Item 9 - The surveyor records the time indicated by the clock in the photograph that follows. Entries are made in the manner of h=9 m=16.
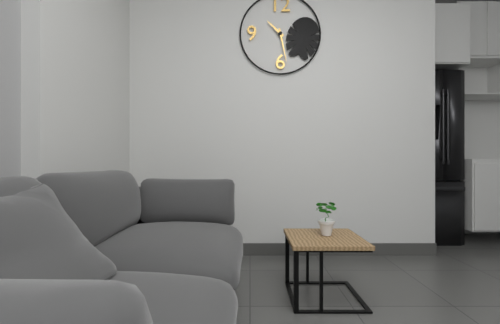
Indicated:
h=10 m=28
